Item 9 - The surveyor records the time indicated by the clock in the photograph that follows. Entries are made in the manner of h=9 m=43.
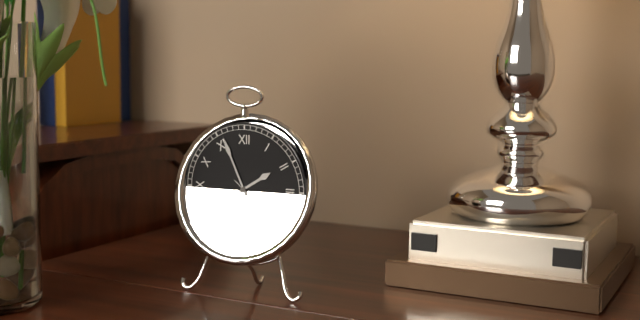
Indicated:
h=1 m=56
